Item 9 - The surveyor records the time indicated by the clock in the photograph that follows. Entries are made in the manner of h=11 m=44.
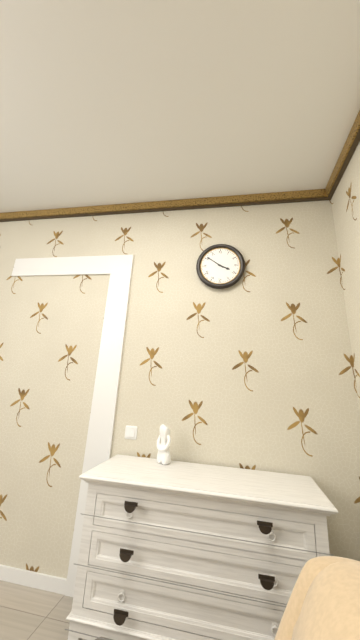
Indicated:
h=3 m=51
